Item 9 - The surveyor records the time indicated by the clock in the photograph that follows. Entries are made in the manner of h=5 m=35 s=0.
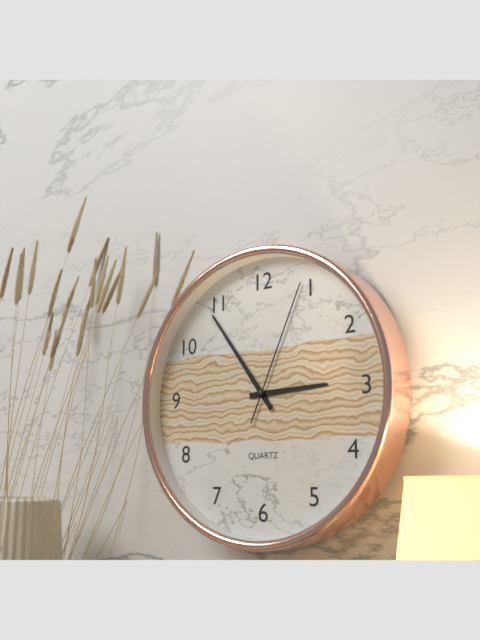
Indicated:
h=2 m=54 s=4
